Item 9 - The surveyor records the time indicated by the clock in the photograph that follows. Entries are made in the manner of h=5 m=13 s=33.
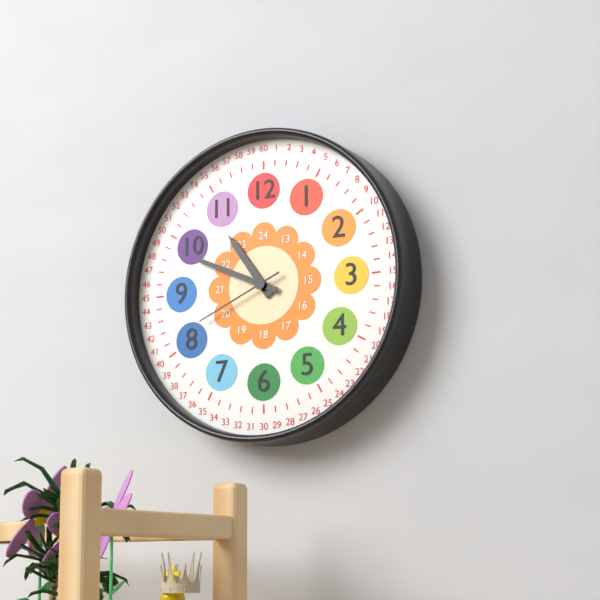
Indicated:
h=10 m=49 s=41
